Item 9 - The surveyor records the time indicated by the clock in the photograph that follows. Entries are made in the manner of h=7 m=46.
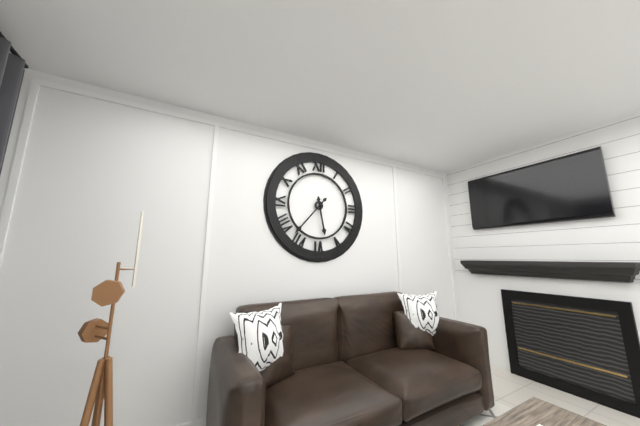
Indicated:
h=5 m=37
